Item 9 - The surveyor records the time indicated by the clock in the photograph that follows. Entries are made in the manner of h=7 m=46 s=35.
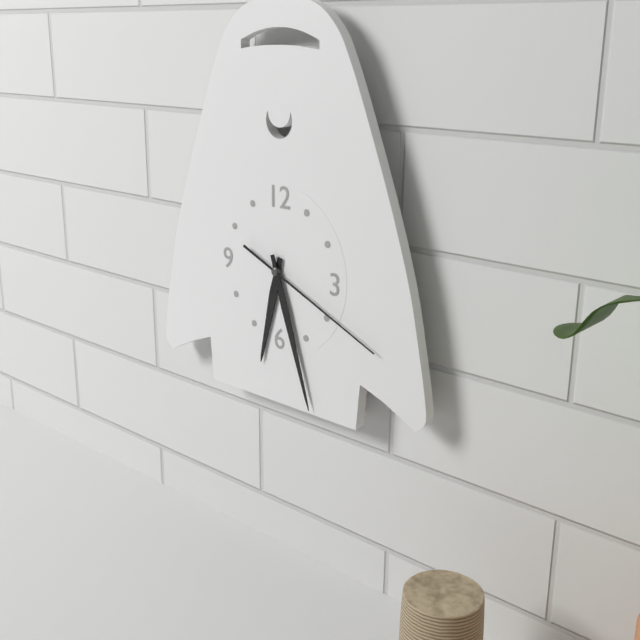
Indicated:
h=6 m=27 s=19
